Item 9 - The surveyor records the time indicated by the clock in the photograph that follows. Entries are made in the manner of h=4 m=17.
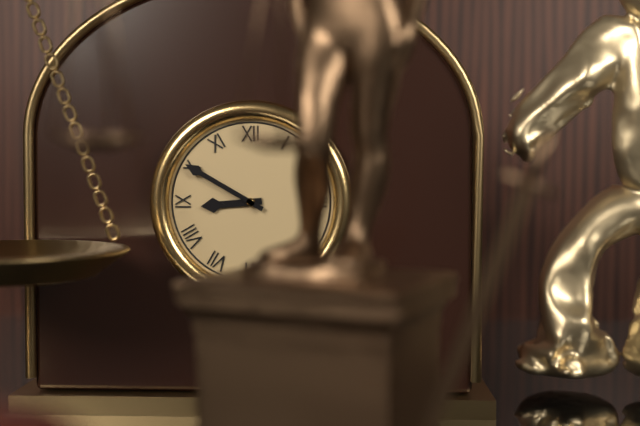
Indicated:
h=8 m=50
